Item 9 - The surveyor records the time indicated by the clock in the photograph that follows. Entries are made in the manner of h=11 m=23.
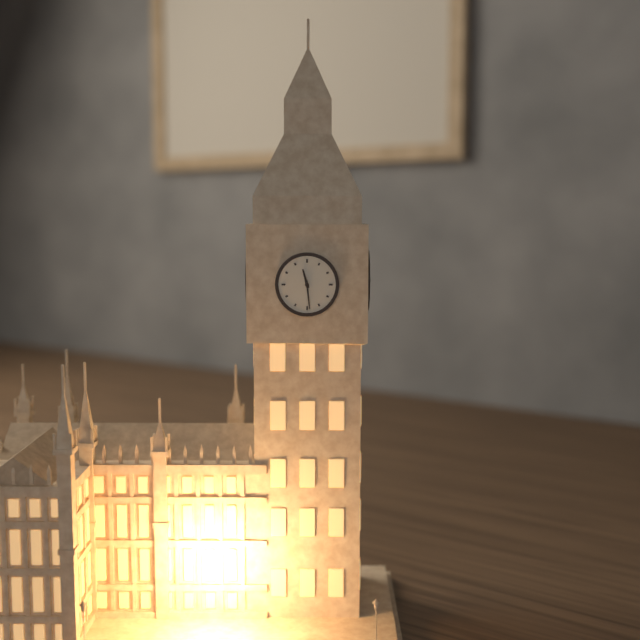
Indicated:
h=11 m=29
